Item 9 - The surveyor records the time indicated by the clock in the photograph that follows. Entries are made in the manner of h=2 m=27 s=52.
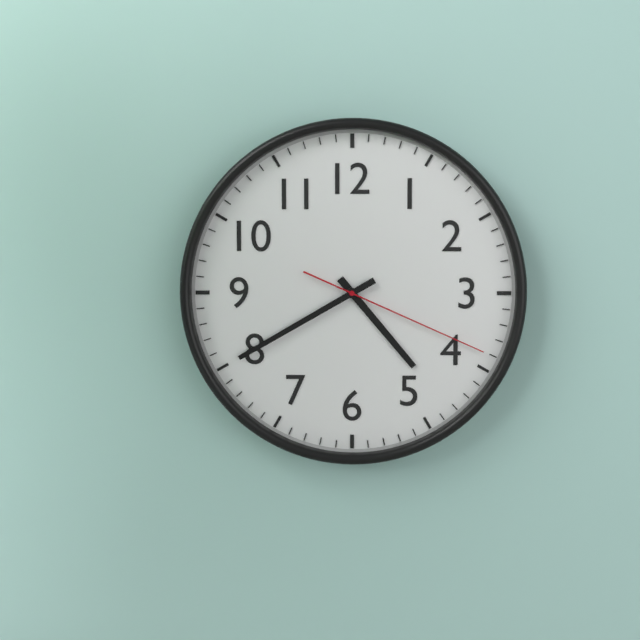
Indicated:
h=4 m=40 s=19
